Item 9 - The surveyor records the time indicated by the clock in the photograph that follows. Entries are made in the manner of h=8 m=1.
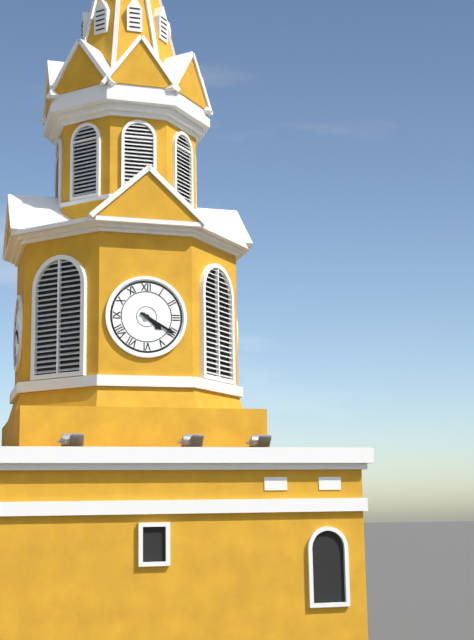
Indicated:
h=4 m=20
